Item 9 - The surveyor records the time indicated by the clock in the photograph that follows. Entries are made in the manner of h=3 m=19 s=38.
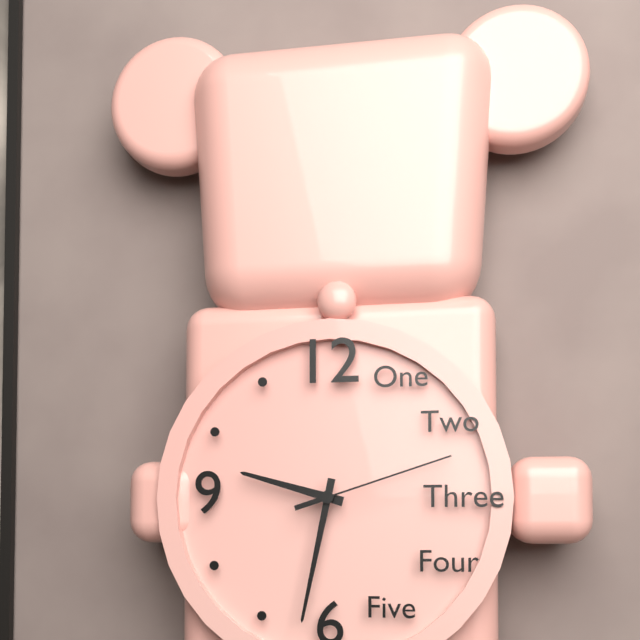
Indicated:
h=9 m=32 s=12
